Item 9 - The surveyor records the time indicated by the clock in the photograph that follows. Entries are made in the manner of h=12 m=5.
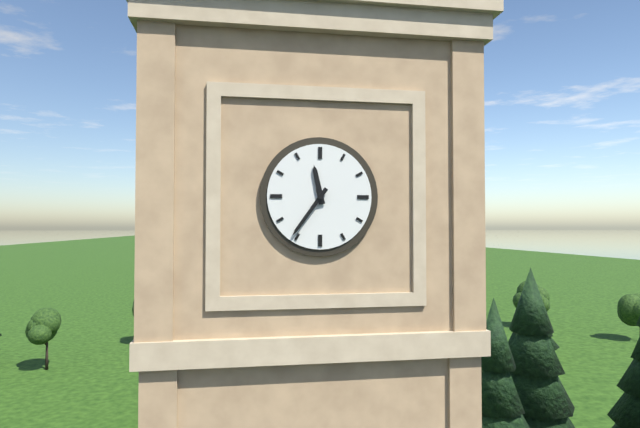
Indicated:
h=11 m=36
